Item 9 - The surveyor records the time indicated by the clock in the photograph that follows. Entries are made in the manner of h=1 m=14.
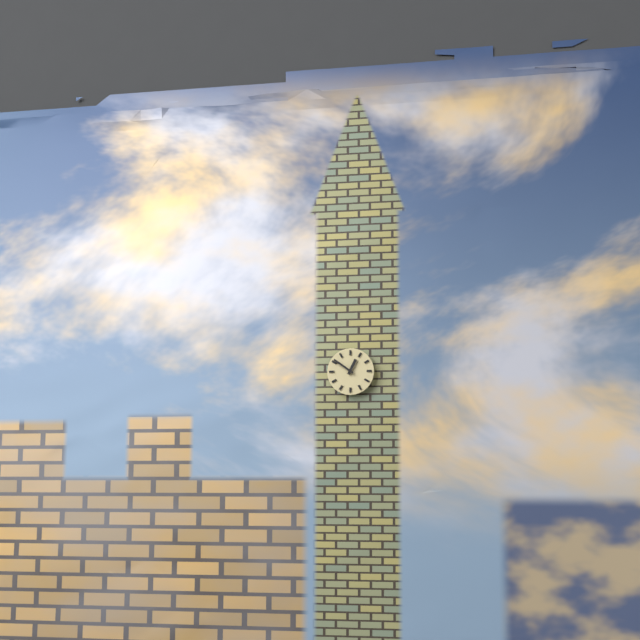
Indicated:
h=12 m=51
